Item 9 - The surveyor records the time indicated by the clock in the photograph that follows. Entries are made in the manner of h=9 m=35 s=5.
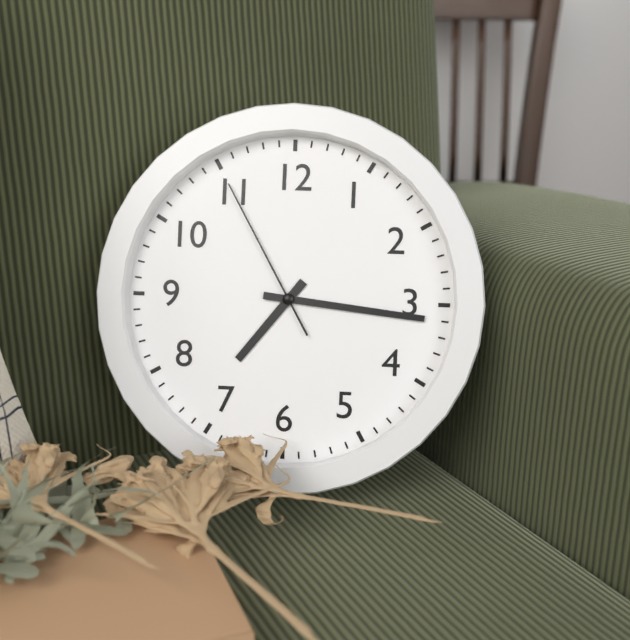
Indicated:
h=7 m=16 s=55
